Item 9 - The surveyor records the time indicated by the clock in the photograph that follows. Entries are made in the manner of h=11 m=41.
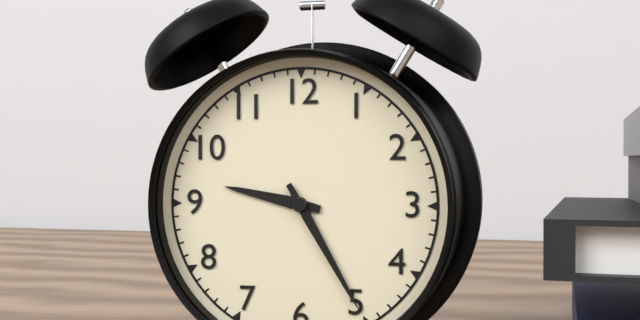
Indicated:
h=9 m=25
